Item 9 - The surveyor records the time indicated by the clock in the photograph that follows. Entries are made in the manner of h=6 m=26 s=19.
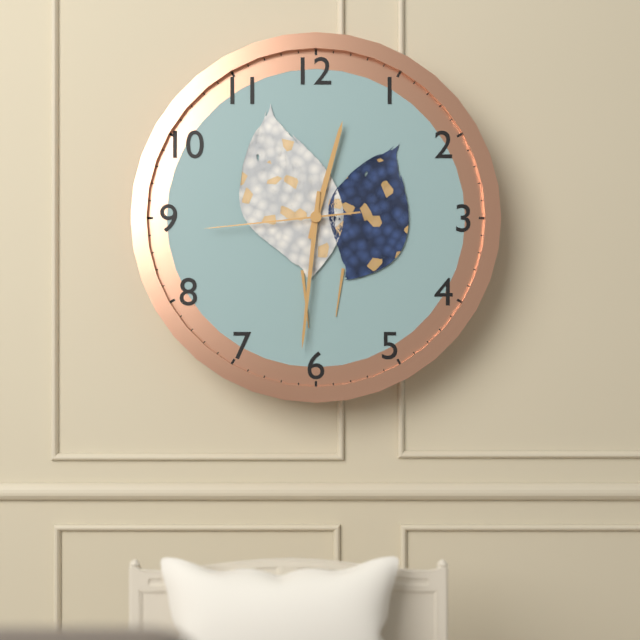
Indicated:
h=12 m=31 s=44
